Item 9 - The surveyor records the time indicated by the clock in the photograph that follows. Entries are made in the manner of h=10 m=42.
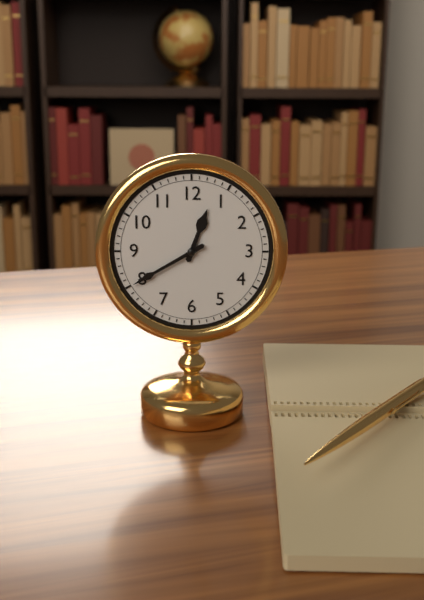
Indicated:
h=12 m=40
